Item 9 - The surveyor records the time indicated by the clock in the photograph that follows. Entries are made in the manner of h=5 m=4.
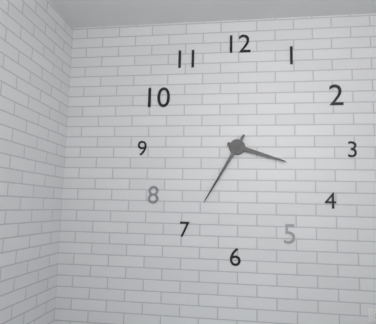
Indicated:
h=3 m=35
